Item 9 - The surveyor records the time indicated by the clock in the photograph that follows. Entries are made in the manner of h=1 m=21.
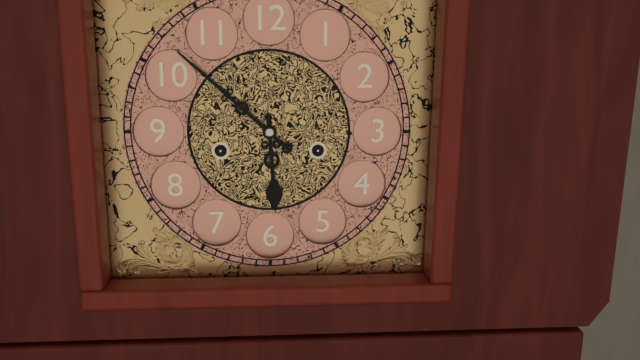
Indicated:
h=5 m=52
